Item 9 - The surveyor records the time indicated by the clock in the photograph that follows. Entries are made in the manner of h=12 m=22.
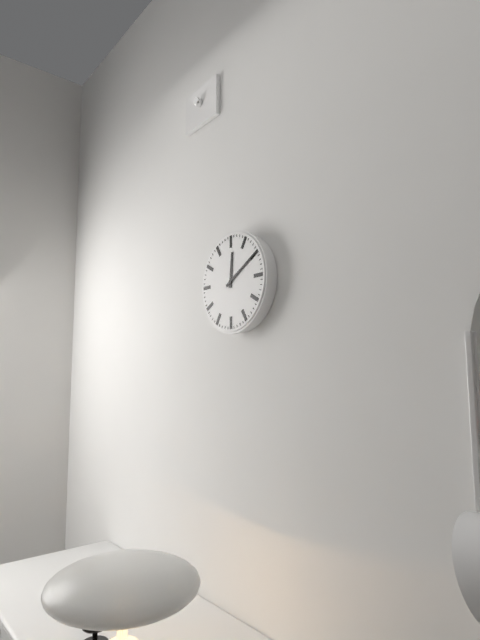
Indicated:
h=12 m=10
